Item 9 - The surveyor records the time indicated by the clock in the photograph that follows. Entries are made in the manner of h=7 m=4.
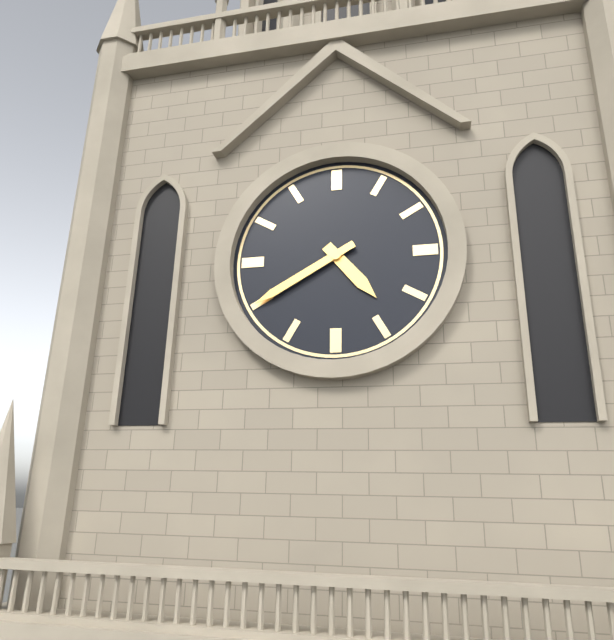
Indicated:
h=4 m=40
